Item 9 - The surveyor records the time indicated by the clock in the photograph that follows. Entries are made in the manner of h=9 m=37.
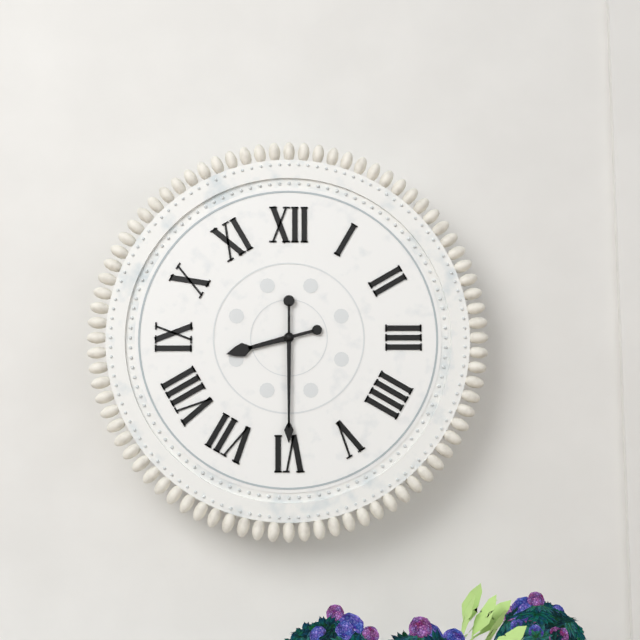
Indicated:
h=8 m=30
